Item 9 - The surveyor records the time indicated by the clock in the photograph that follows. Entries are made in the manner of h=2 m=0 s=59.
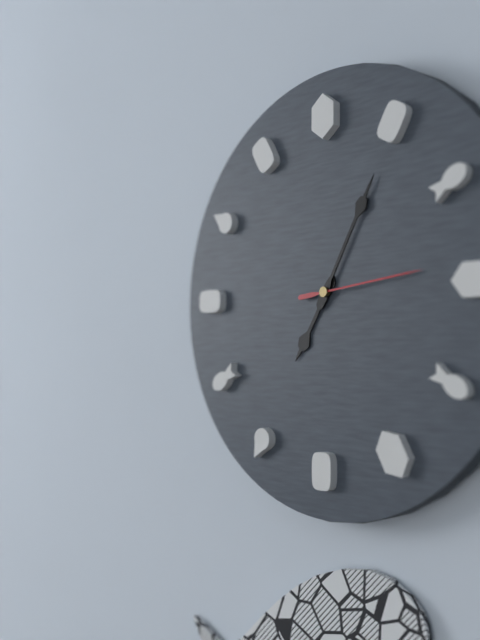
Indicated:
h=7 m=5 s=14
